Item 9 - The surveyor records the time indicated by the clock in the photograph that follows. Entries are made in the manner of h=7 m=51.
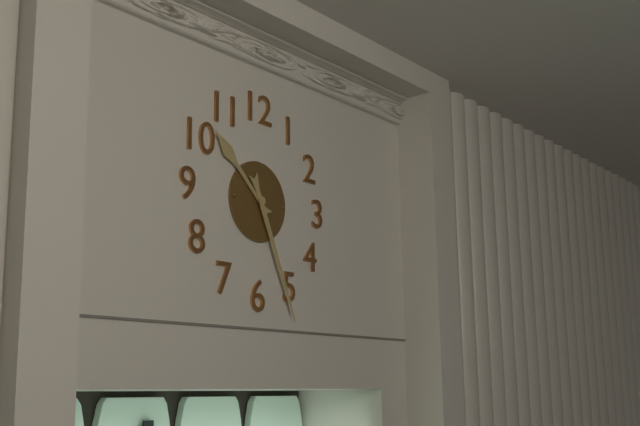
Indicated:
h=10 m=26
